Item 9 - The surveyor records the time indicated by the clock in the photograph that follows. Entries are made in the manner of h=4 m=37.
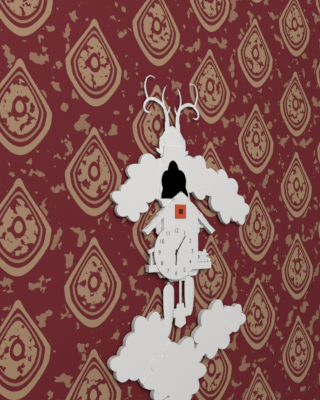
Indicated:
h=6 m=6
